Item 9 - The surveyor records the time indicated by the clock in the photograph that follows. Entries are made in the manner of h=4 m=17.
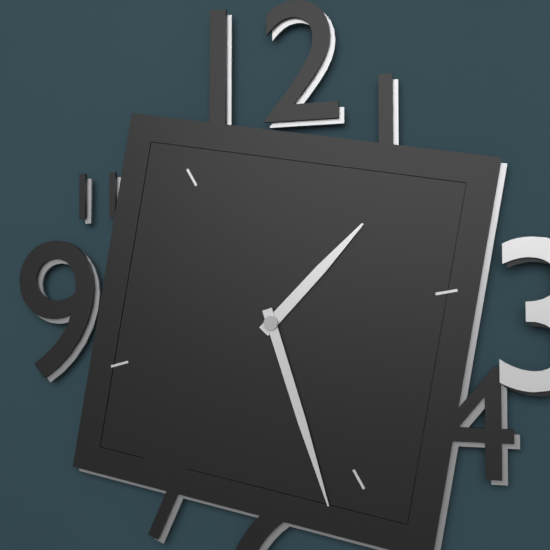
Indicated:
h=1 m=27
